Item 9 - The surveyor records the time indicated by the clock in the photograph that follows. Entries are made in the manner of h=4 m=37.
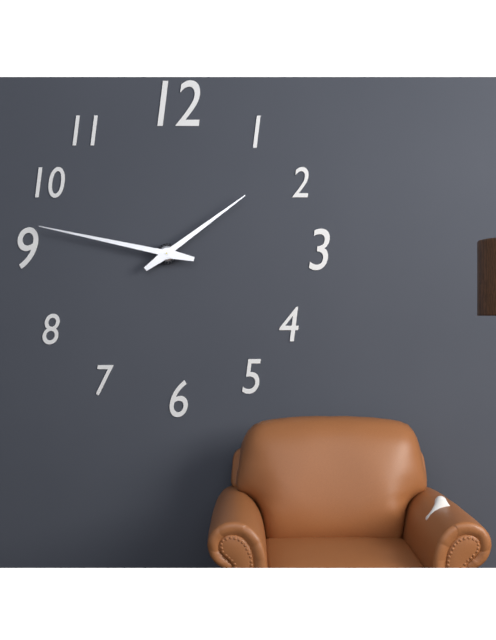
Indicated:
h=1 m=47
